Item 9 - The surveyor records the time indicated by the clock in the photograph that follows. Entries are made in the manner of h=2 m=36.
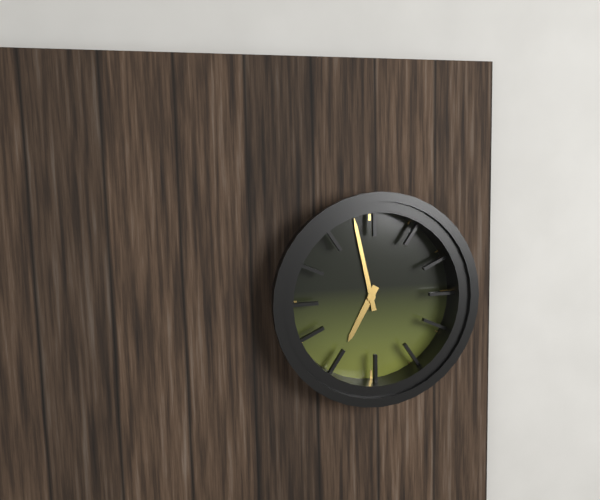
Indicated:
h=6 m=58
